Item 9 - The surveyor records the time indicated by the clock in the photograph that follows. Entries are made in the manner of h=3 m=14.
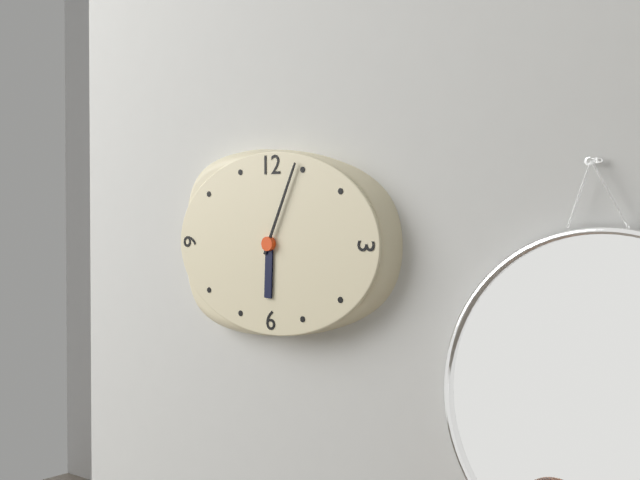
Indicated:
h=6 m=4
